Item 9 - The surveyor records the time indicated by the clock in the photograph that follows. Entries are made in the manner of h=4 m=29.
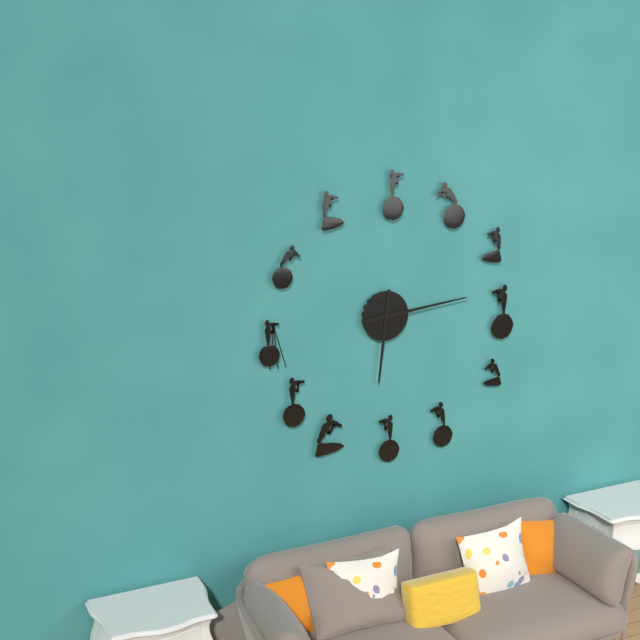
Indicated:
h=6 m=14
